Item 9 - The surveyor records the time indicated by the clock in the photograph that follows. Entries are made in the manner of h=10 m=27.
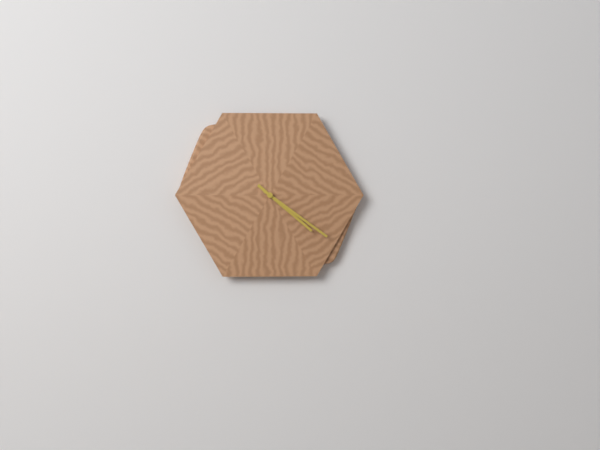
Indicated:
h=4 m=21
